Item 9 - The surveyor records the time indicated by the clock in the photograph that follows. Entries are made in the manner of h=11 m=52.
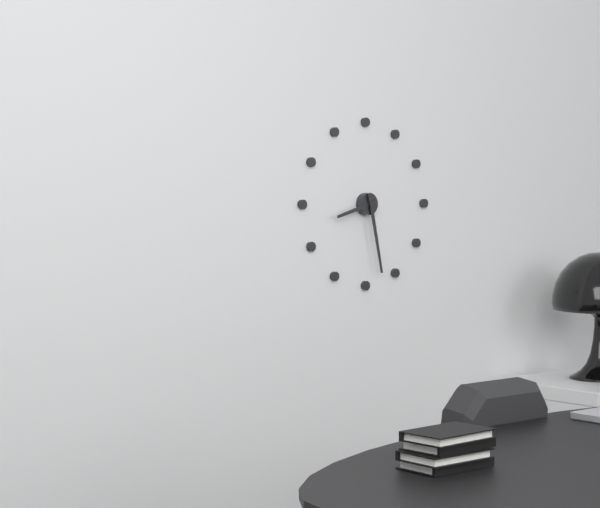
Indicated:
h=8 m=28
